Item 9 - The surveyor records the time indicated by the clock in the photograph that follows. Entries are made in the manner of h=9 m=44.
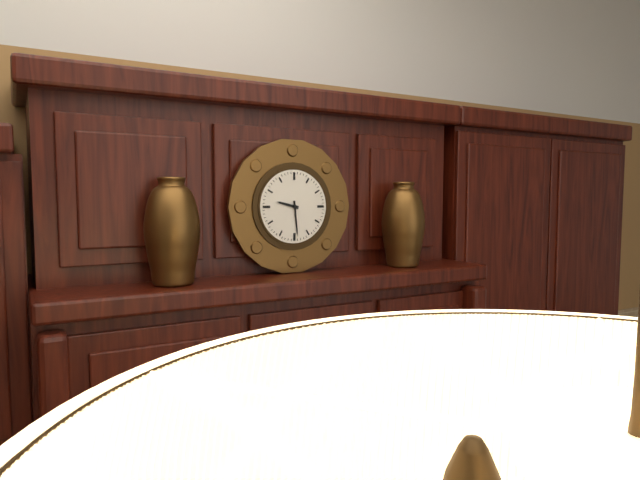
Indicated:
h=9 m=29
